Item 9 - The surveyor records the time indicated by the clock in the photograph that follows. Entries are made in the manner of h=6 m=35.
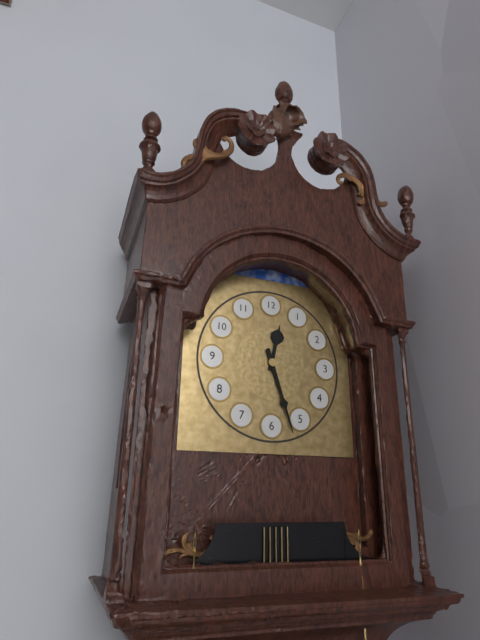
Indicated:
h=12 m=27
